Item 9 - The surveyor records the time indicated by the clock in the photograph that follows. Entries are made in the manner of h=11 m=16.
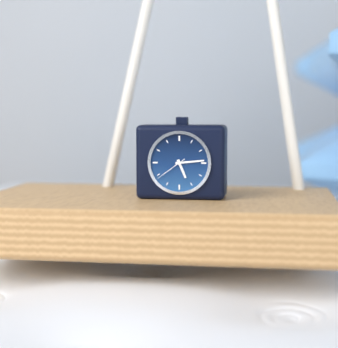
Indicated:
h=5 m=14
